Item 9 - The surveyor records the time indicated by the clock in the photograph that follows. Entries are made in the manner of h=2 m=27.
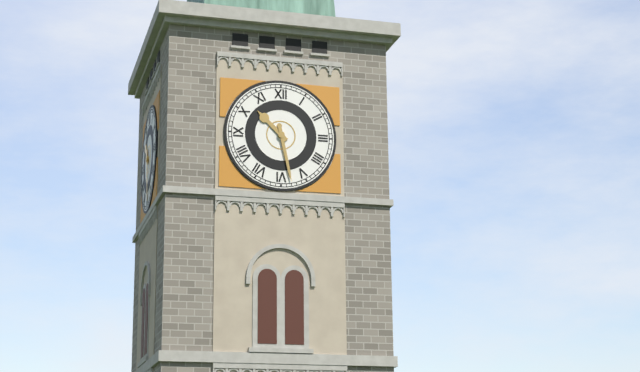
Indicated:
h=10 m=28
